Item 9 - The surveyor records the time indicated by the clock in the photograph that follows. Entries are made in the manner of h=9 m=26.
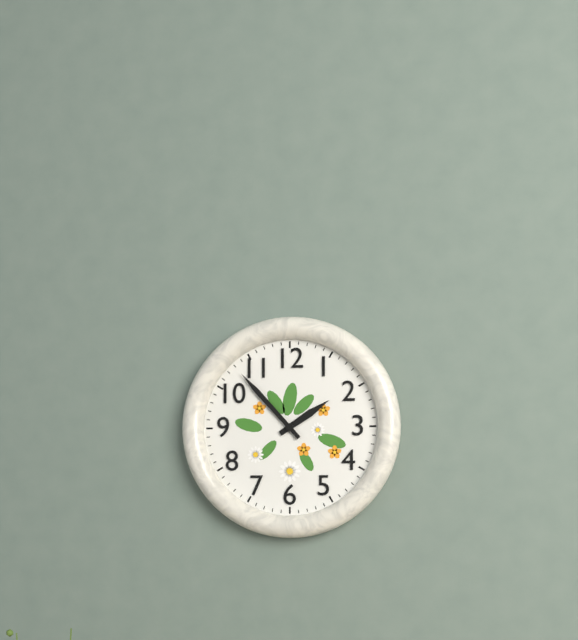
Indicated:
h=1 m=53
